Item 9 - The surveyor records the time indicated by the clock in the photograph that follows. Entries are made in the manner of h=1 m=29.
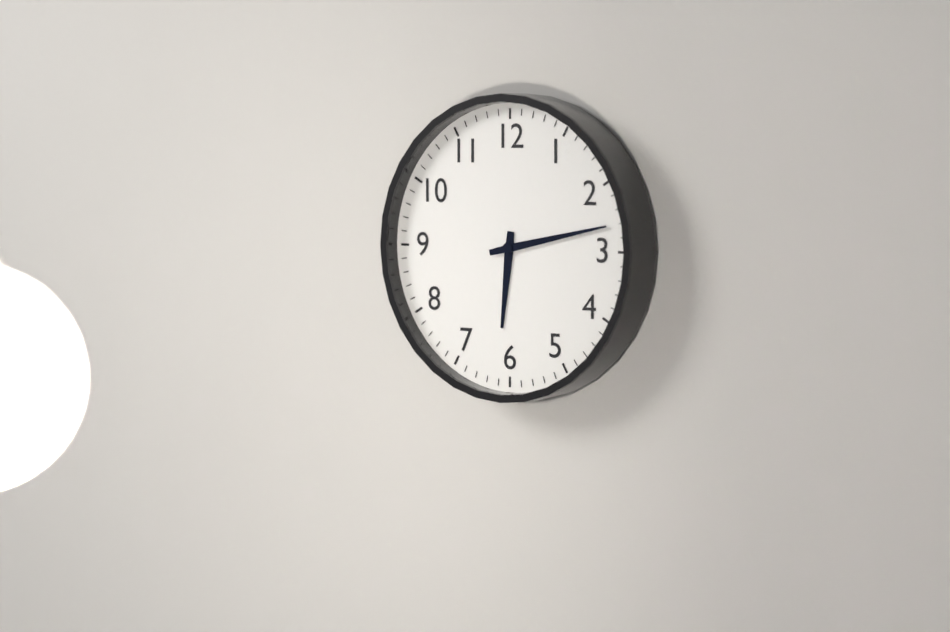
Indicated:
h=6 m=13
